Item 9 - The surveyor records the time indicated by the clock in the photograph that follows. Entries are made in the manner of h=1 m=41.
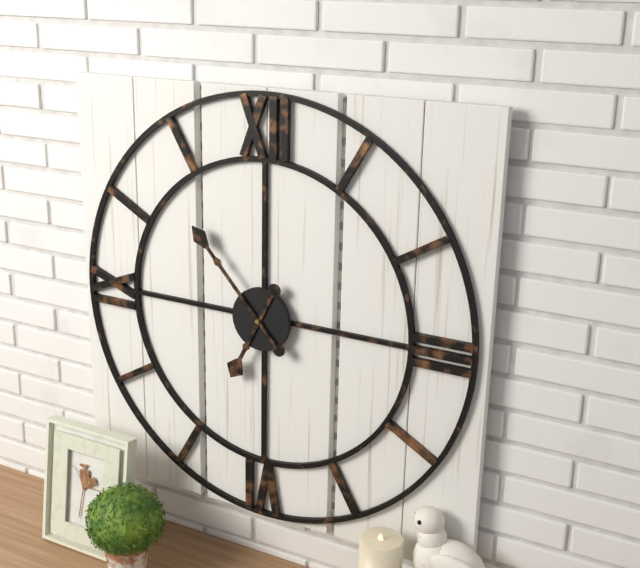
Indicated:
h=6 m=53
